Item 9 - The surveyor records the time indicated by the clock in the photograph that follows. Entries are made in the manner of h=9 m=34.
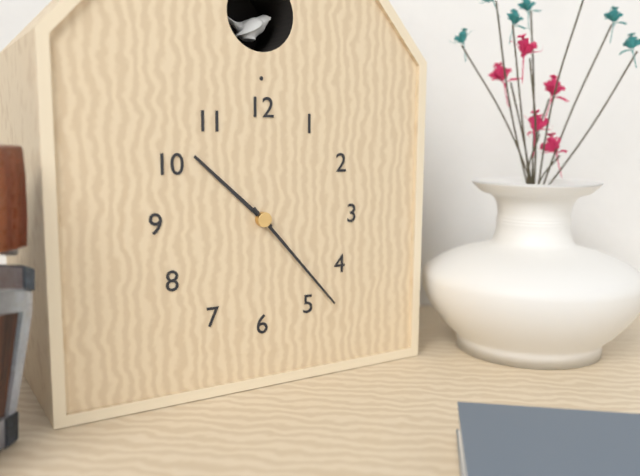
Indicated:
h=10 m=23
